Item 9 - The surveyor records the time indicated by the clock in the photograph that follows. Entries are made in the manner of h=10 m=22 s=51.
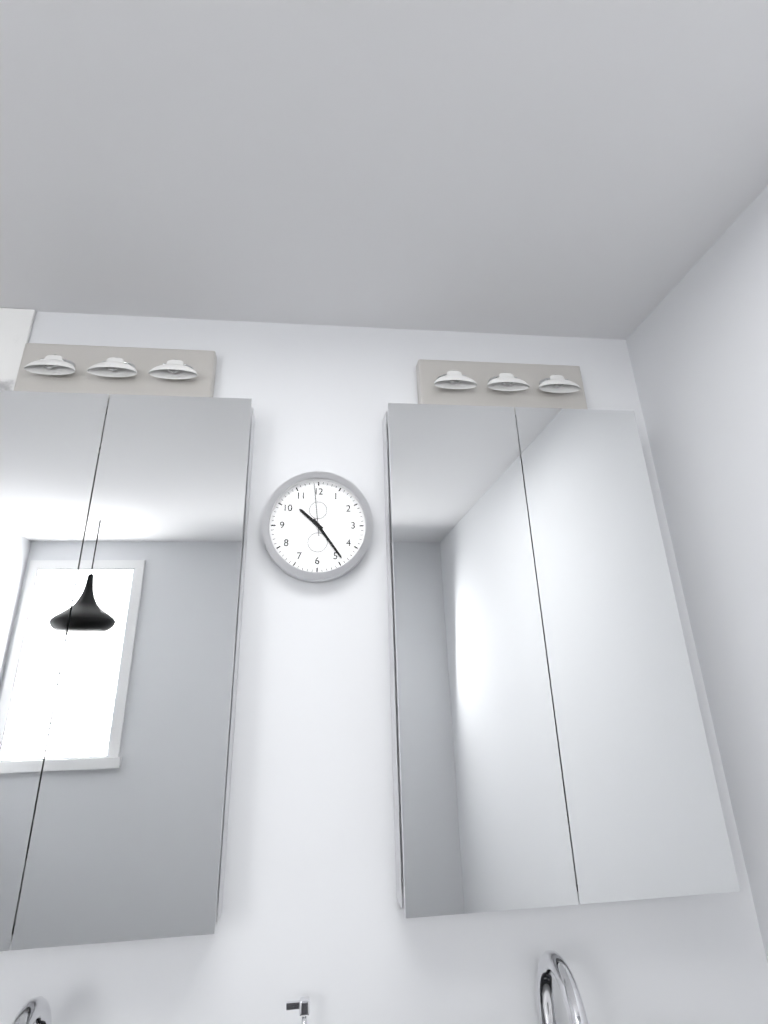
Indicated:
h=10 m=24 s=59
